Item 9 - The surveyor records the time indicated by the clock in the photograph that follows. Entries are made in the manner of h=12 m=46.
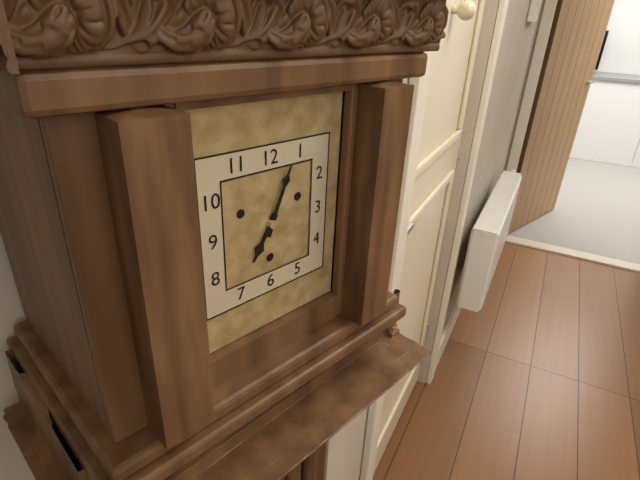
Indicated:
h=7 m=4
